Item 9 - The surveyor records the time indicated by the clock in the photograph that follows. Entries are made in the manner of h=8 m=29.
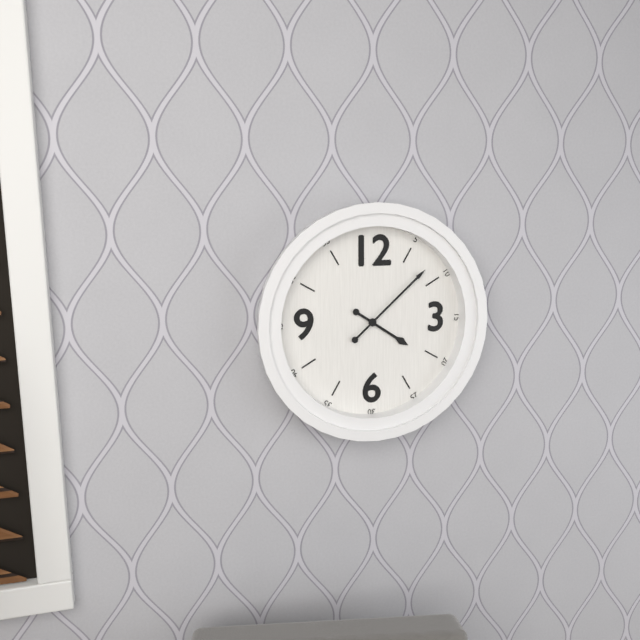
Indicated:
h=4 m=8
